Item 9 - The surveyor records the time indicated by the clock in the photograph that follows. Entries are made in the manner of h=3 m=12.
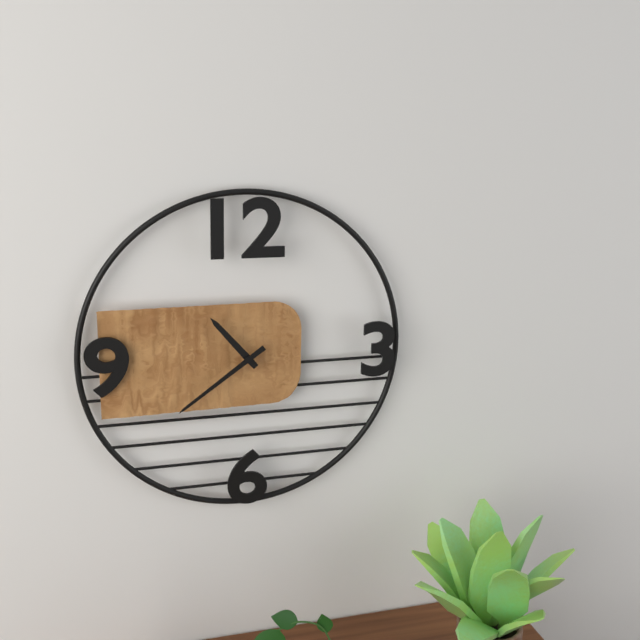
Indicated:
h=10 m=39
